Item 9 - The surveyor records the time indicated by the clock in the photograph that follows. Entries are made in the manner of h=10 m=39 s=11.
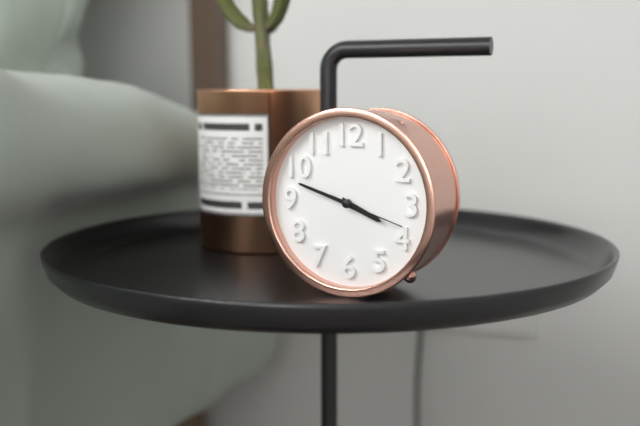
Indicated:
h=3 m=48 s=18
